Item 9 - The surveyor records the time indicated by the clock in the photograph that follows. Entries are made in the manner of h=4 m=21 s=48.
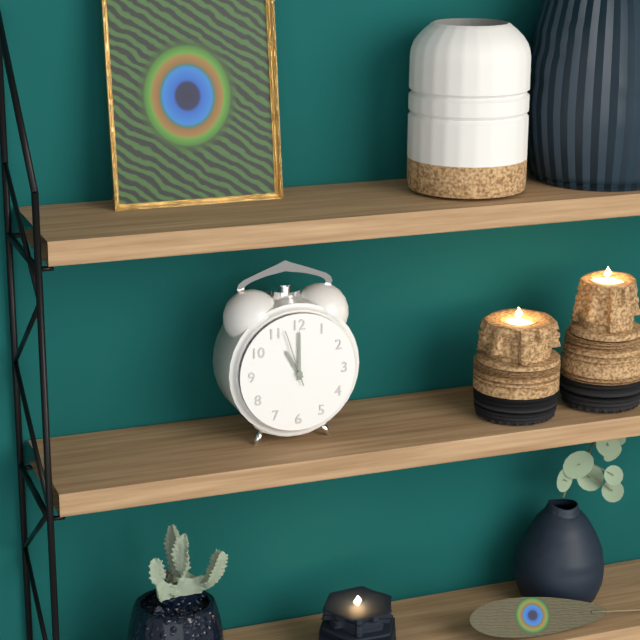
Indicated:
h=11 m=0 s=57
